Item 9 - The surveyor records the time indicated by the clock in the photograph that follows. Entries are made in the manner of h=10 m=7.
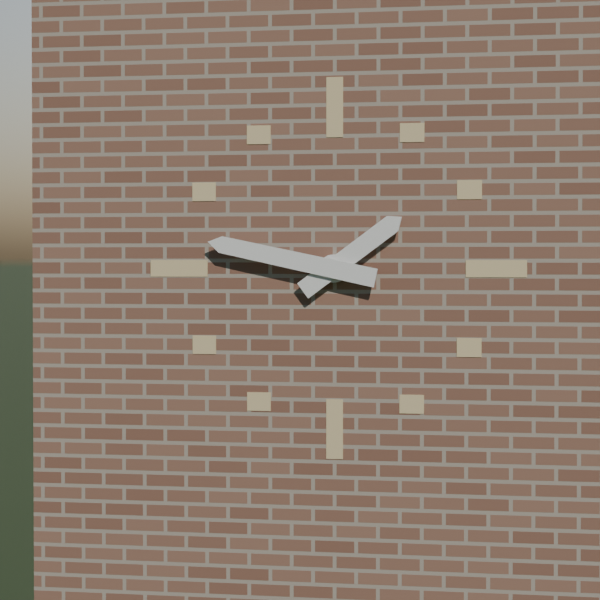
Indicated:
h=1 m=47
